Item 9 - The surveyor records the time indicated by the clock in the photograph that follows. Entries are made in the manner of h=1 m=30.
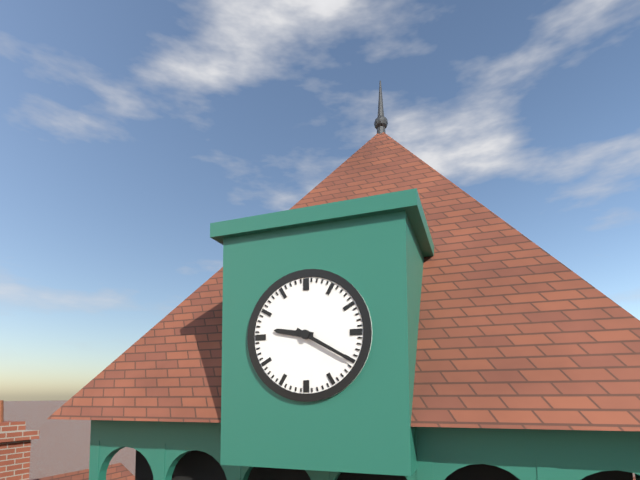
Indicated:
h=9 m=20
